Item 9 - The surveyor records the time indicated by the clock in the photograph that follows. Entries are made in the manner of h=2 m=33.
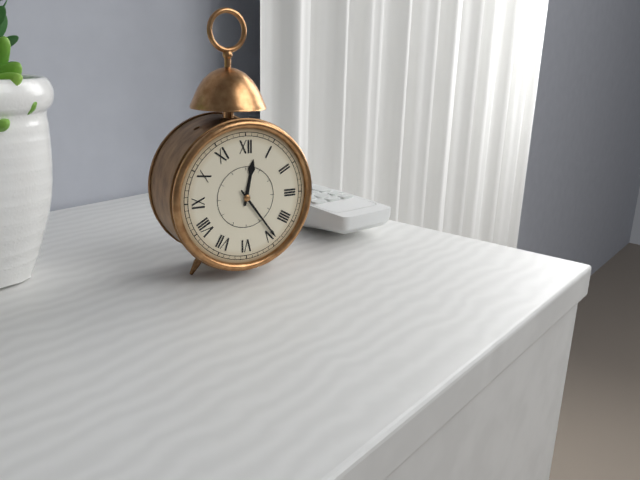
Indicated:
h=12 m=24
